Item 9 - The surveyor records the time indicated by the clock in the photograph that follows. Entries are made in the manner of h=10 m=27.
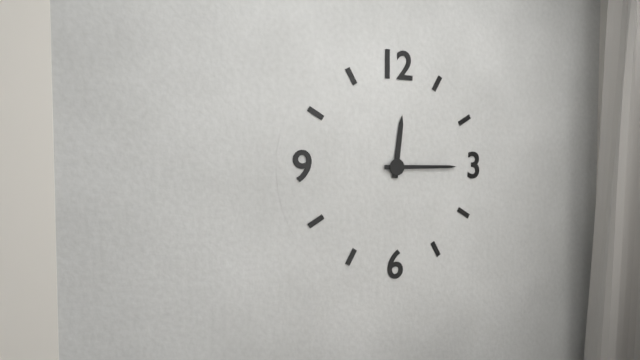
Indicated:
h=12 m=15
